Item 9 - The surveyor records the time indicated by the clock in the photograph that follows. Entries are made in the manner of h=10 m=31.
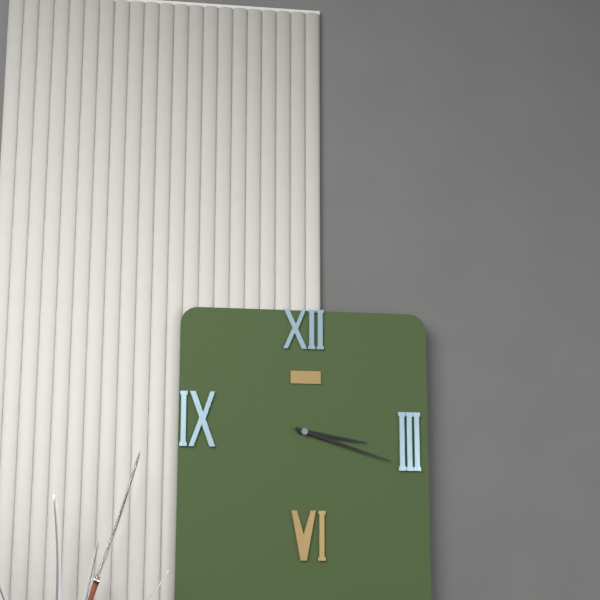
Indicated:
h=3 m=18
